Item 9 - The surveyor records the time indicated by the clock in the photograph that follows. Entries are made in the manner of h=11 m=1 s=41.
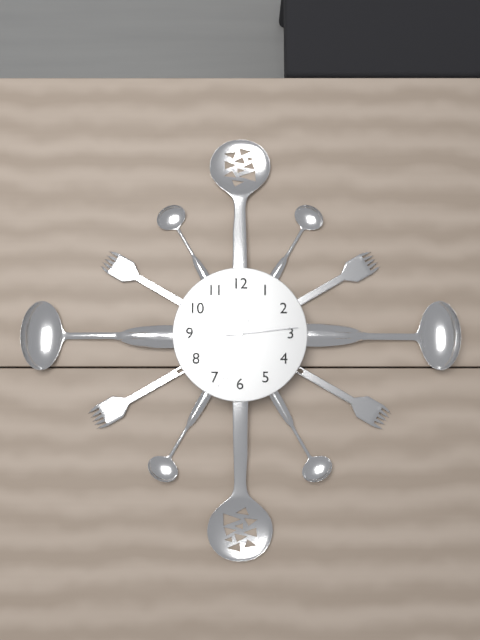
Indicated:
h=6 m=34 s=14
